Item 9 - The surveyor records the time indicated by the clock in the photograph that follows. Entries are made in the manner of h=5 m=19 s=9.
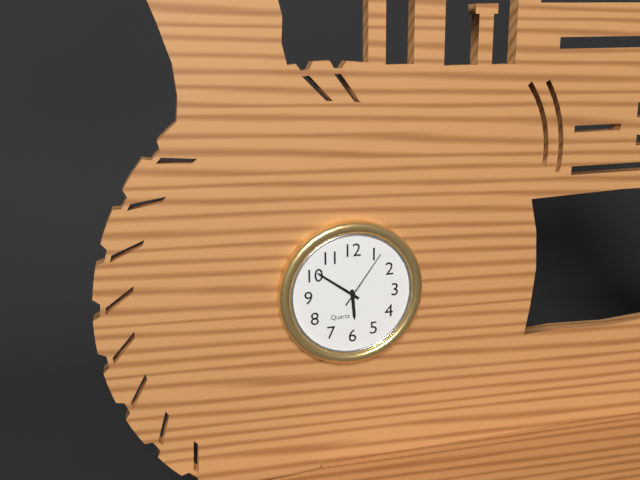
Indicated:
h=5 m=51 s=6
